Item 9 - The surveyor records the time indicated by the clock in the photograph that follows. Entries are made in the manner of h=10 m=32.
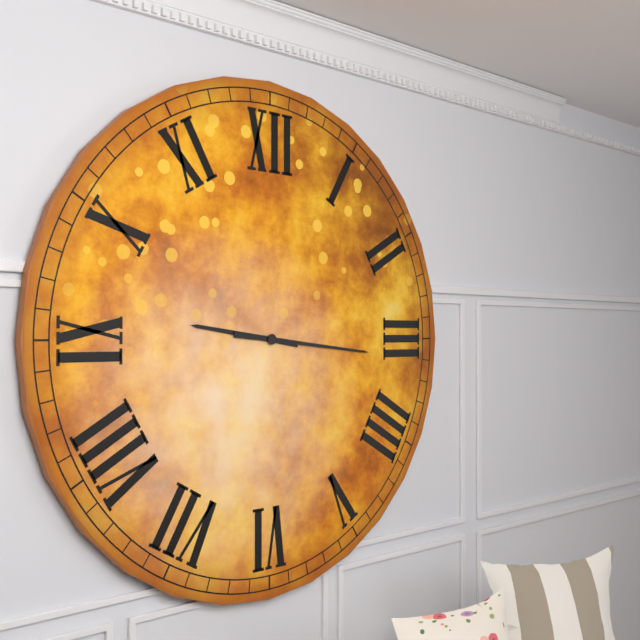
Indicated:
h=9 m=16
